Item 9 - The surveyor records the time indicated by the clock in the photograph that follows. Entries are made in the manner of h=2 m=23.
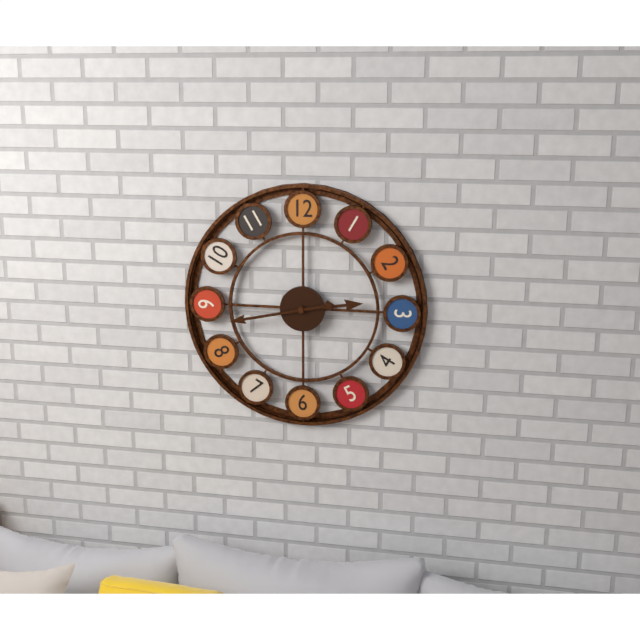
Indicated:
h=2 m=43
